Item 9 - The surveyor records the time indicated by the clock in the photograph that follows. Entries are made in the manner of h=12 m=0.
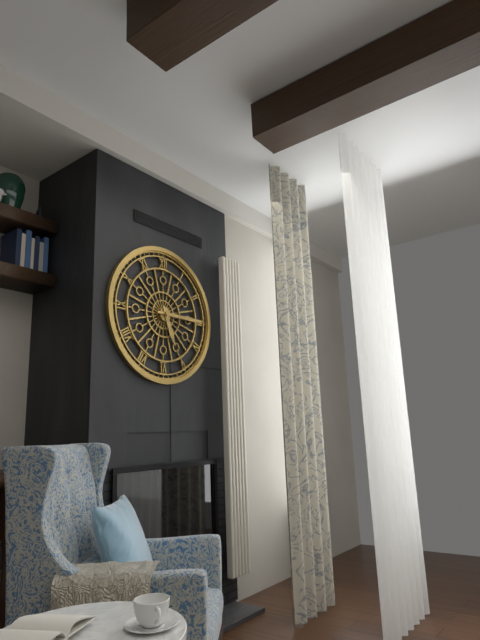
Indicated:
h=5 m=15
